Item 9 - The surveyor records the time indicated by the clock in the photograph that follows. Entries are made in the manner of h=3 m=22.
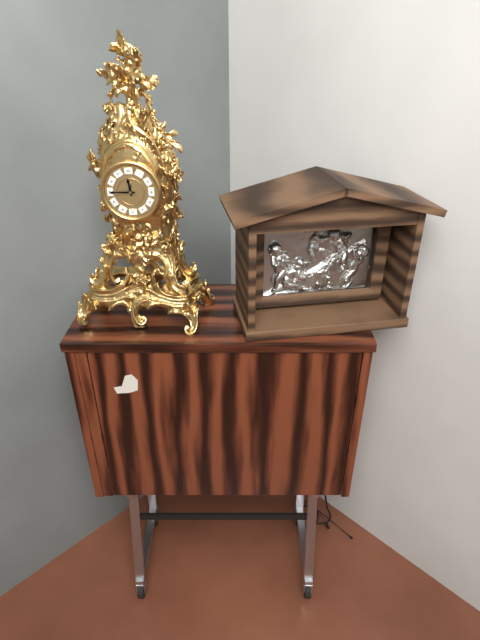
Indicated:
h=11 m=45
